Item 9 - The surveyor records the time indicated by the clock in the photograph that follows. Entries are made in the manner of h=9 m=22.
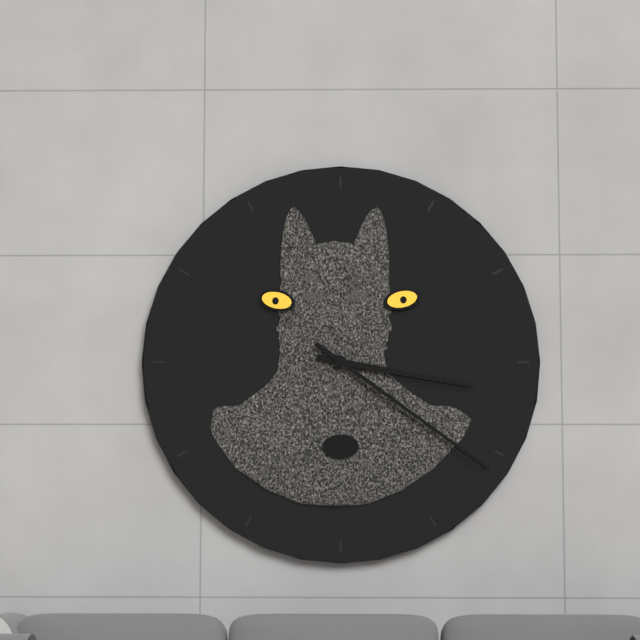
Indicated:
h=3 m=21
